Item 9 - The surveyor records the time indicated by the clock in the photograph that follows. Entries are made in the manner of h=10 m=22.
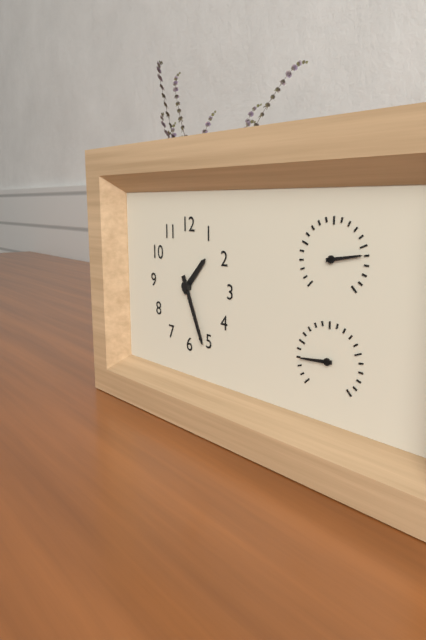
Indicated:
h=1 m=26
